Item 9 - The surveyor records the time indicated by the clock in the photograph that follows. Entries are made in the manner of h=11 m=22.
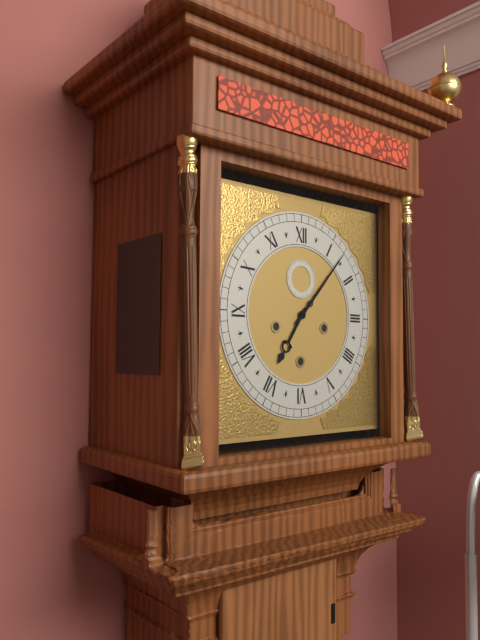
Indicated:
h=7 m=7
